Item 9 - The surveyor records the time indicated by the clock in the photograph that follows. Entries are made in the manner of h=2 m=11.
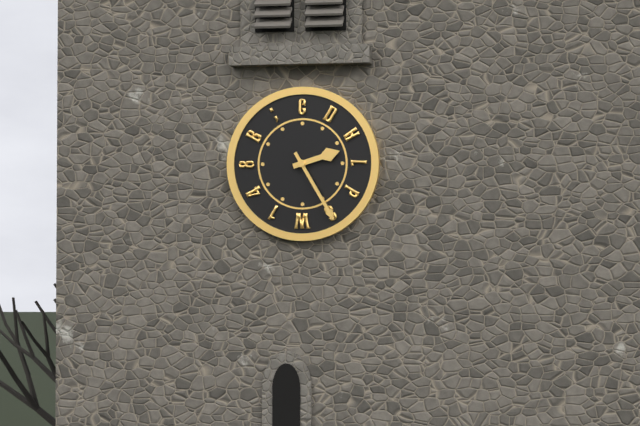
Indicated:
h=2 m=25
